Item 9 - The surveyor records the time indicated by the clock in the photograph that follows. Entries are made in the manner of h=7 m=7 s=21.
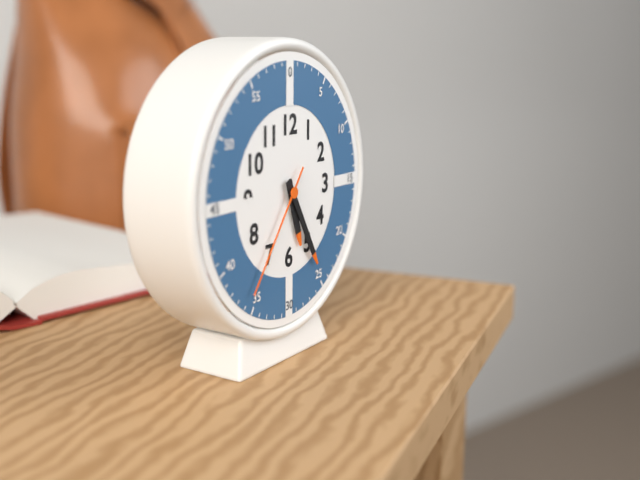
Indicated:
h=5 m=25 s=36
